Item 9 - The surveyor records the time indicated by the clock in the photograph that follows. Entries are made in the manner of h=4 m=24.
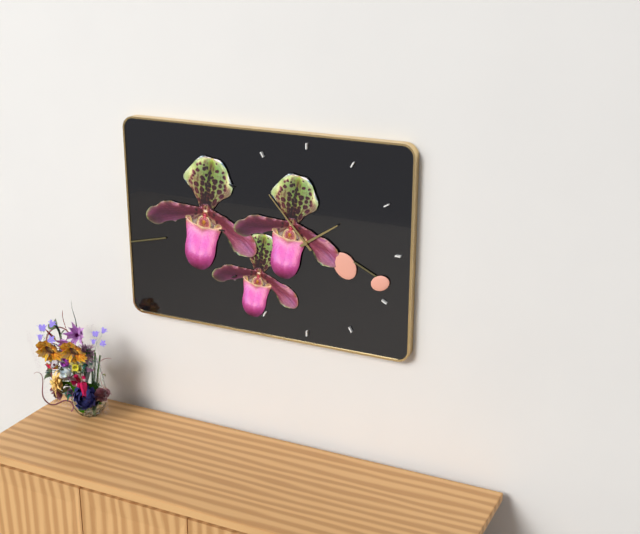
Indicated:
h=1 m=53
